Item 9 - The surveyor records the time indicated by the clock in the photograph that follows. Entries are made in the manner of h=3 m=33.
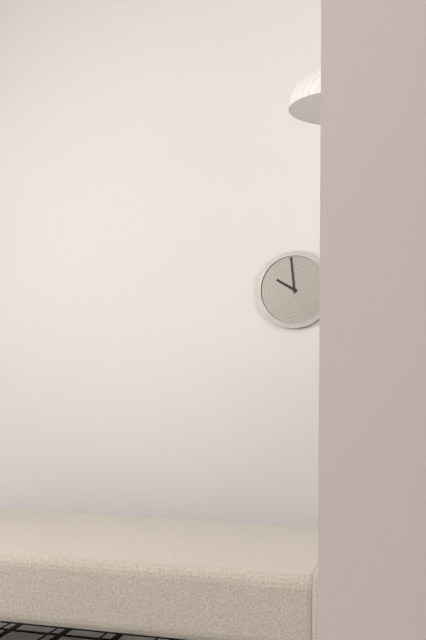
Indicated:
h=9 m=59
